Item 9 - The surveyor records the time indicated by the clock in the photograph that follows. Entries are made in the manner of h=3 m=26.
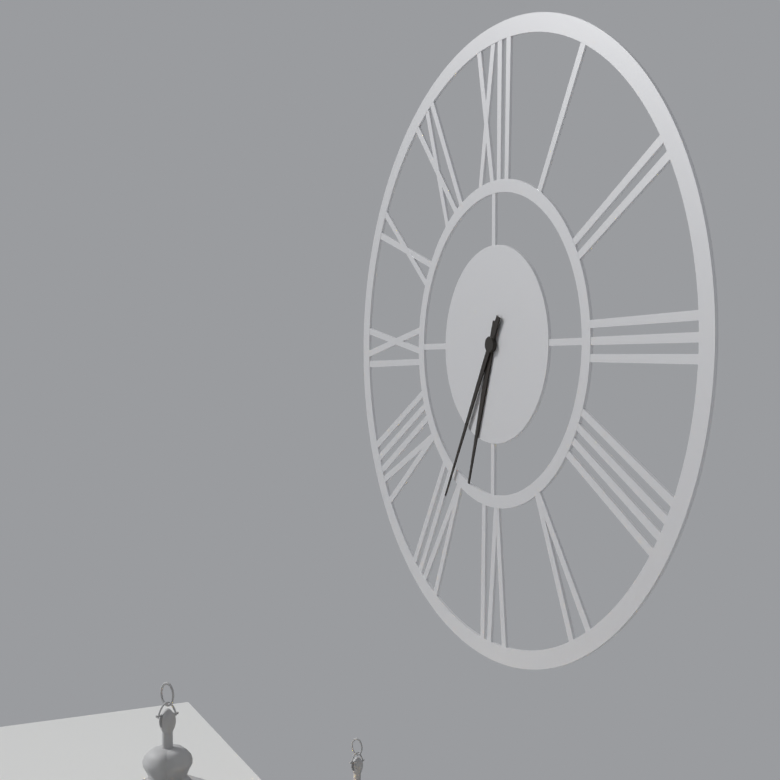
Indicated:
h=6 m=35
